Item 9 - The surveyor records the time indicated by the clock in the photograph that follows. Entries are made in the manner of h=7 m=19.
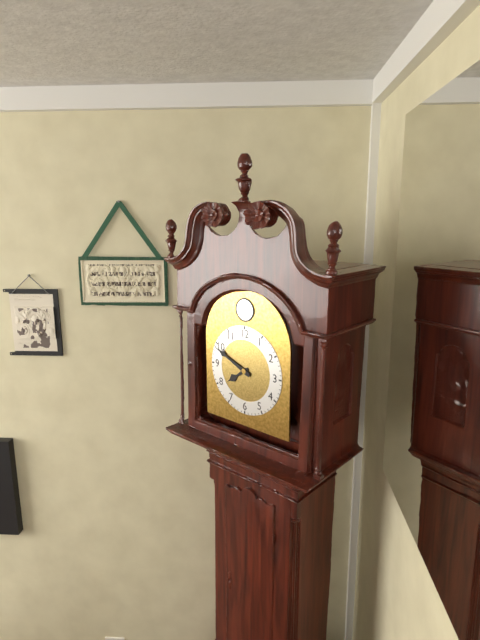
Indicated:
h=7 m=49
